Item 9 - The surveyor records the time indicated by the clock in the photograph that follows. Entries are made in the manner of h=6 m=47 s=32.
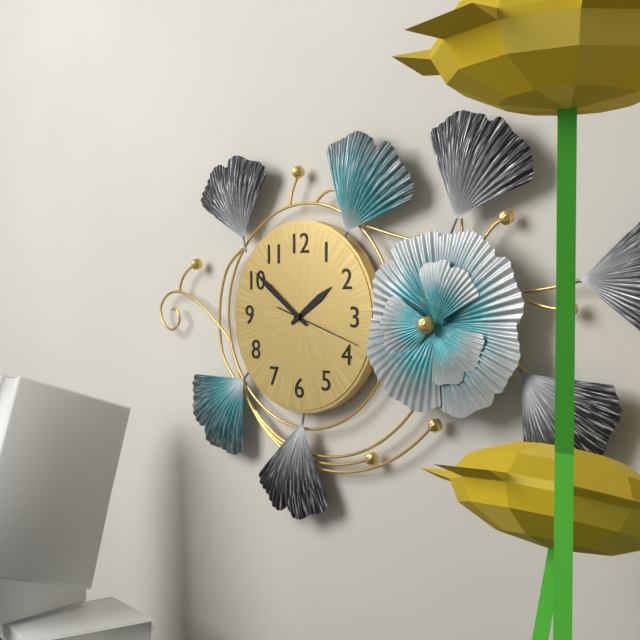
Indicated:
h=1 m=51 s=18
